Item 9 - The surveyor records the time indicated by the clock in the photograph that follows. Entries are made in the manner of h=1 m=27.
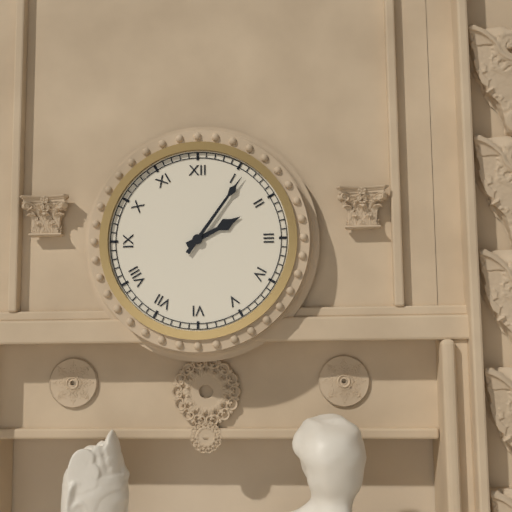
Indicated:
h=2 m=6
